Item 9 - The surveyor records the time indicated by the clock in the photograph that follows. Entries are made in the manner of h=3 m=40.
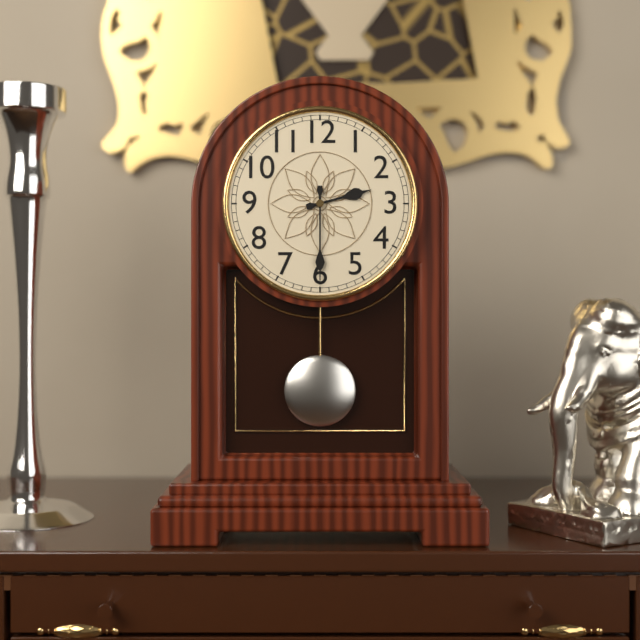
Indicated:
h=2 m=30
